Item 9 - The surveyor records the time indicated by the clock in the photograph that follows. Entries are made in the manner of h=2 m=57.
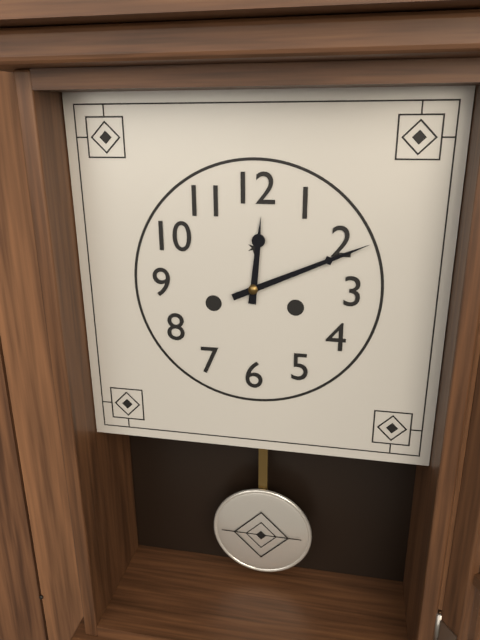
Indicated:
h=12 m=11
